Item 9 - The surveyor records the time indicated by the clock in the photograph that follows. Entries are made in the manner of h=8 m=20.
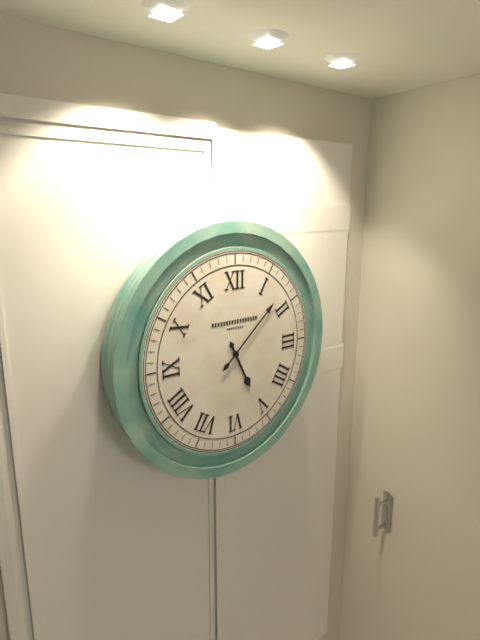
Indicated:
h=5 m=8
